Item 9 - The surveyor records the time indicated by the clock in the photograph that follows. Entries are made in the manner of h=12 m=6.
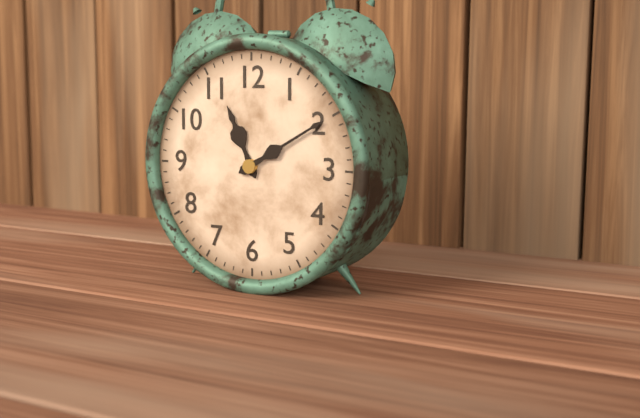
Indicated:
h=11 m=10
